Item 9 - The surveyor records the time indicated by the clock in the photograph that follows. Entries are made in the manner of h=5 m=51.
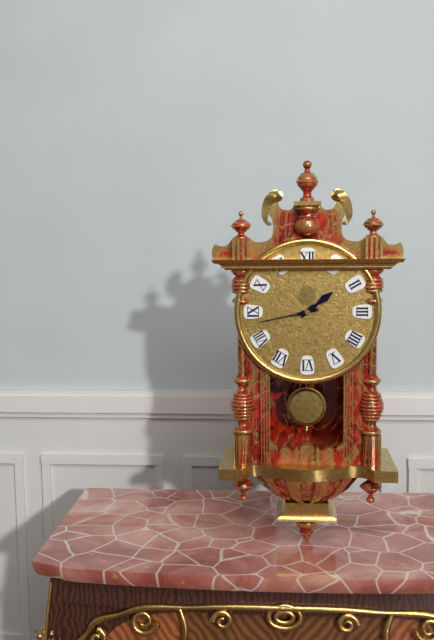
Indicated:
h=1 m=43
